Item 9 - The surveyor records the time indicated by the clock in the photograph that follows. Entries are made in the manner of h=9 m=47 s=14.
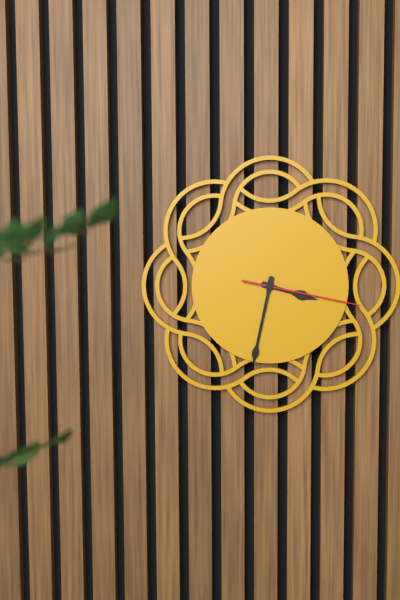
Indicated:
h=3 m=32 s=17
